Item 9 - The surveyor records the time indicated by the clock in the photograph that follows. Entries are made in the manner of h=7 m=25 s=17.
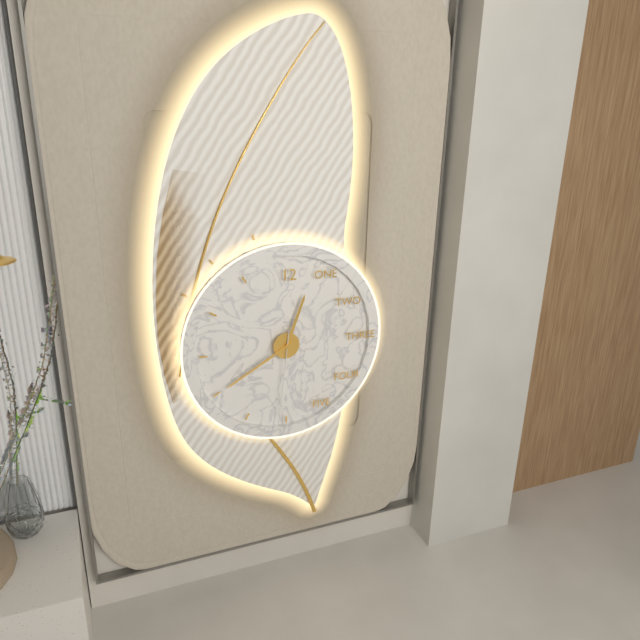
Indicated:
h=12 m=40 s=31
